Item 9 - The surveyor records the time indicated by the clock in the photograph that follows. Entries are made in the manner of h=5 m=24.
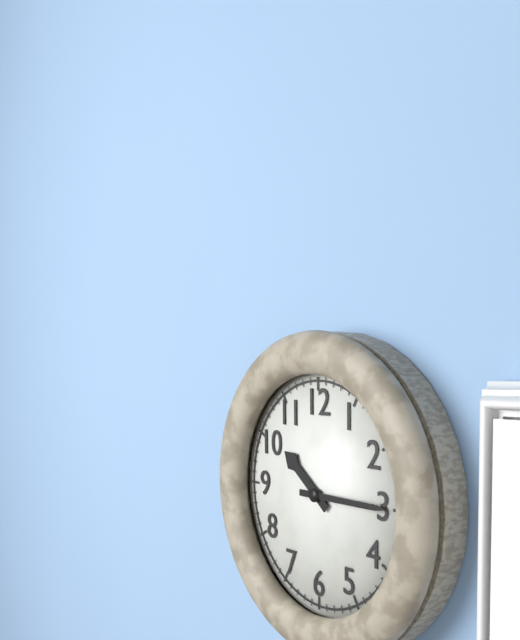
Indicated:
h=10 m=15
